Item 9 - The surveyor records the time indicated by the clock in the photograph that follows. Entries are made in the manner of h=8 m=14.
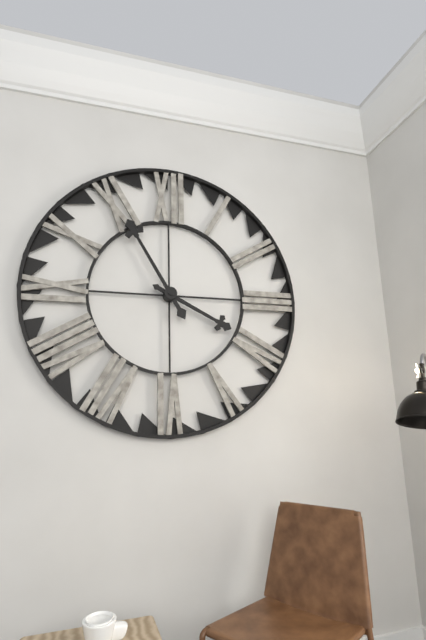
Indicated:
h=3 m=55
